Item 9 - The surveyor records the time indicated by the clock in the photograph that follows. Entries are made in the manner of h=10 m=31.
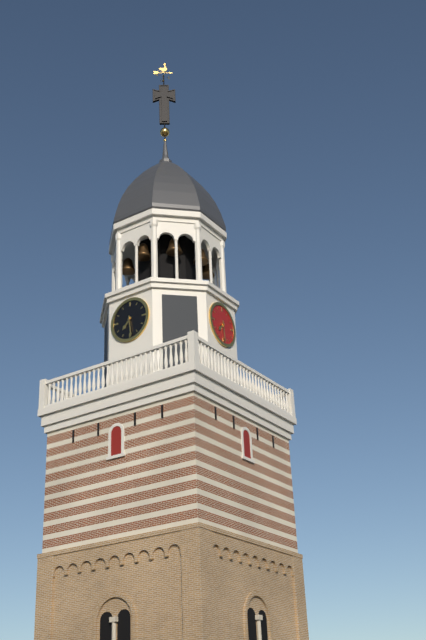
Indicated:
h=7 m=29
